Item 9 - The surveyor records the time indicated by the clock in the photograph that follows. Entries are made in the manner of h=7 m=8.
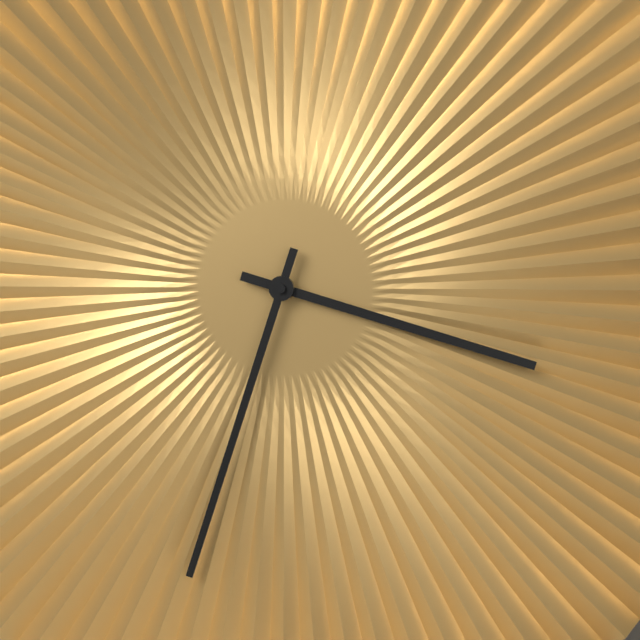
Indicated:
h=3 m=33
